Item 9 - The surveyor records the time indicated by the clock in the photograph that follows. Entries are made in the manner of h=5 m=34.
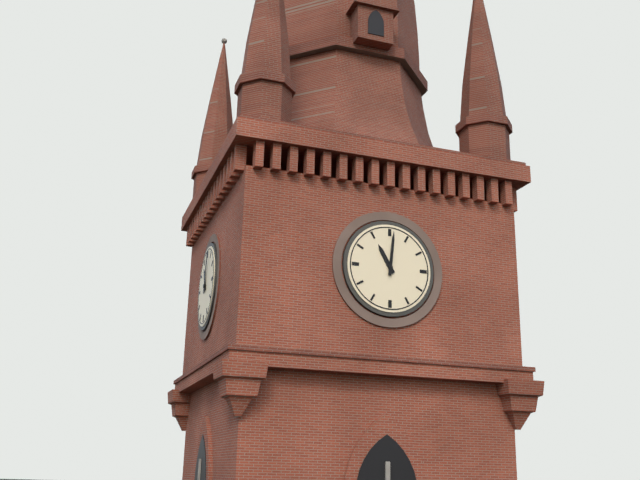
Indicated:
h=11 m=1
